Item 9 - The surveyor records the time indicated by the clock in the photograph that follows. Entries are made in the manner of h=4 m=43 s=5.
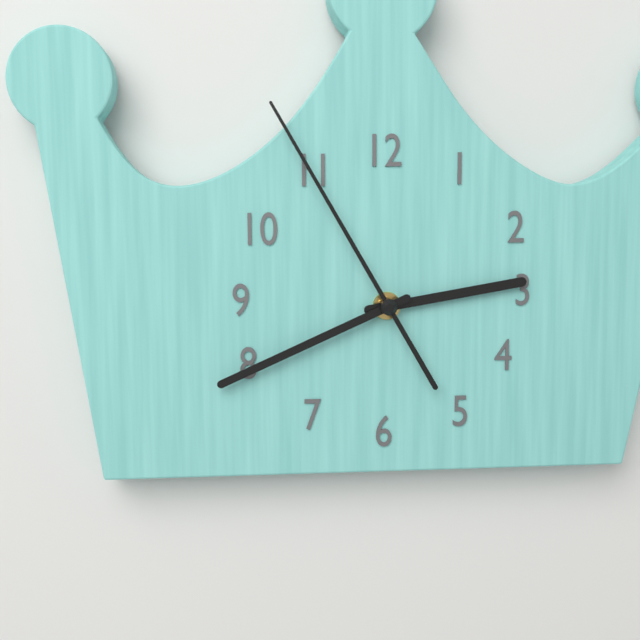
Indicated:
h=2 m=41 s=55
